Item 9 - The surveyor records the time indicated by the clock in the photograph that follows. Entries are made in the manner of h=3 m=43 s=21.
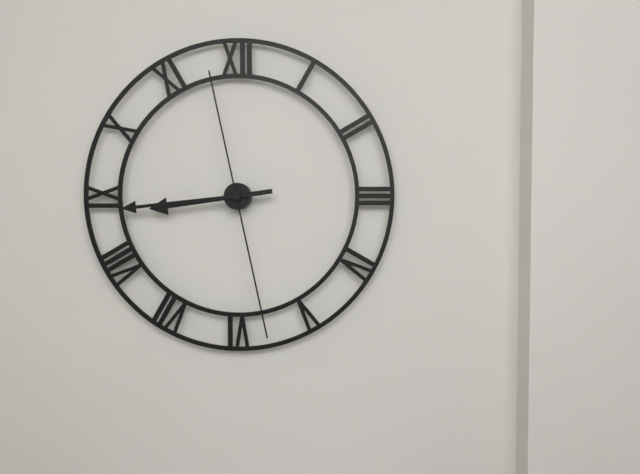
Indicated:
h=8 m=44 s=28
